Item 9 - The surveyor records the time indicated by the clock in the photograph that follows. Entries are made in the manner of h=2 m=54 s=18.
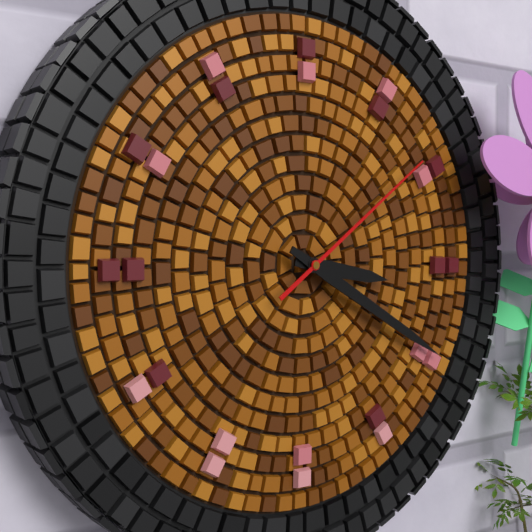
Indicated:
h=3 m=20 s=9
